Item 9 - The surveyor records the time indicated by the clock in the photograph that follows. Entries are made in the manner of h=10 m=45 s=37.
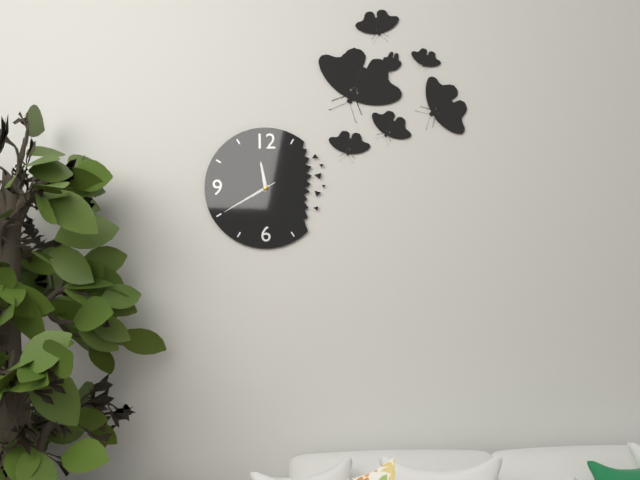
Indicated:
h=11 m=40 s=40
